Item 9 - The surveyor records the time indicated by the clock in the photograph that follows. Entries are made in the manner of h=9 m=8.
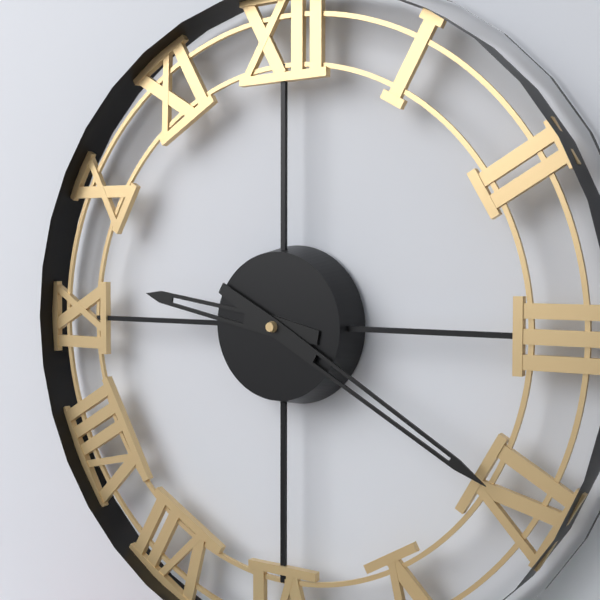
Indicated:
h=9 m=20
